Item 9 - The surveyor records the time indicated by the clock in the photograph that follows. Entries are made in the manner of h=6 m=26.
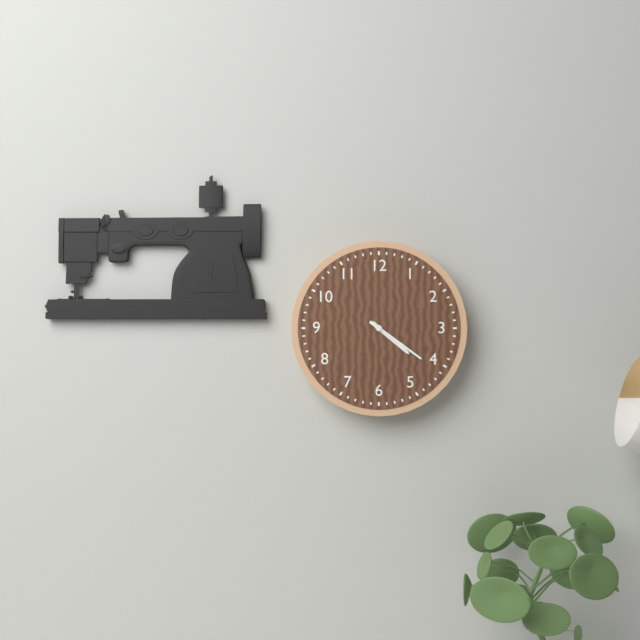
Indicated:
h=4 m=21
